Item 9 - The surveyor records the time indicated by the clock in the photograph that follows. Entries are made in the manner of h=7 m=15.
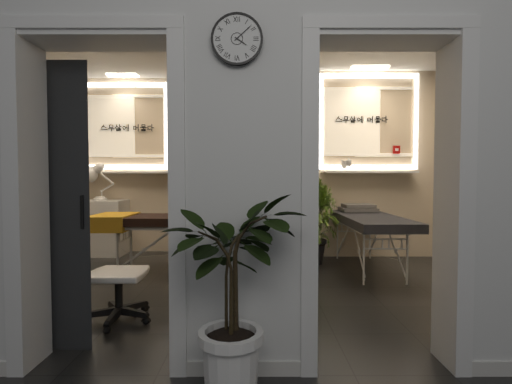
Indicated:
h=4 m=8
